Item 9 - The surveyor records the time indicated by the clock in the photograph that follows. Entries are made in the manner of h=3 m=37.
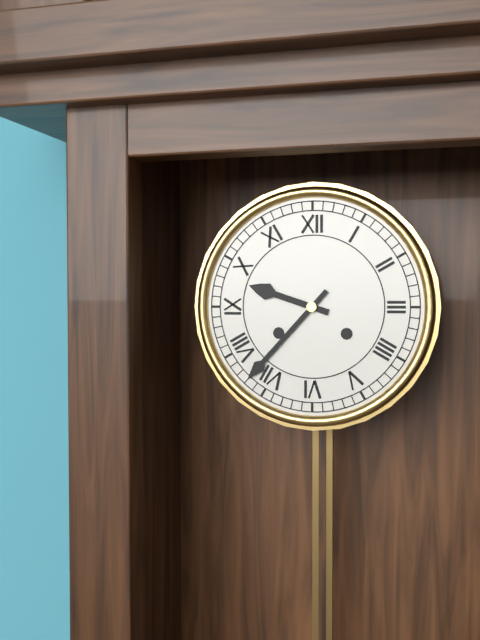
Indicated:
h=9 m=37
